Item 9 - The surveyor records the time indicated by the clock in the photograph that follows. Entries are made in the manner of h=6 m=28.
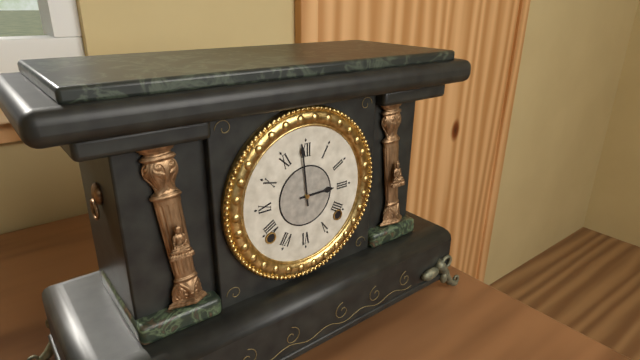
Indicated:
h=2 m=59
